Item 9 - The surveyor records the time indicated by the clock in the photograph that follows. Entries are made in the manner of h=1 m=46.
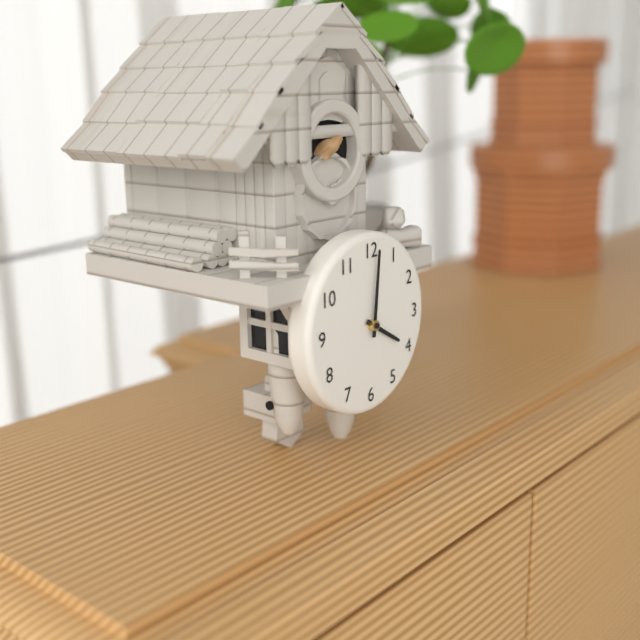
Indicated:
h=4 m=1
